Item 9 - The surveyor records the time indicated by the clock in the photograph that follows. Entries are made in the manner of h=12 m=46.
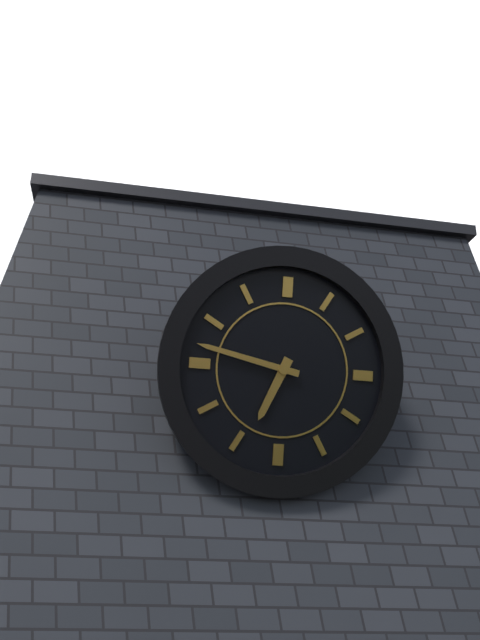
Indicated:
h=6 m=47
